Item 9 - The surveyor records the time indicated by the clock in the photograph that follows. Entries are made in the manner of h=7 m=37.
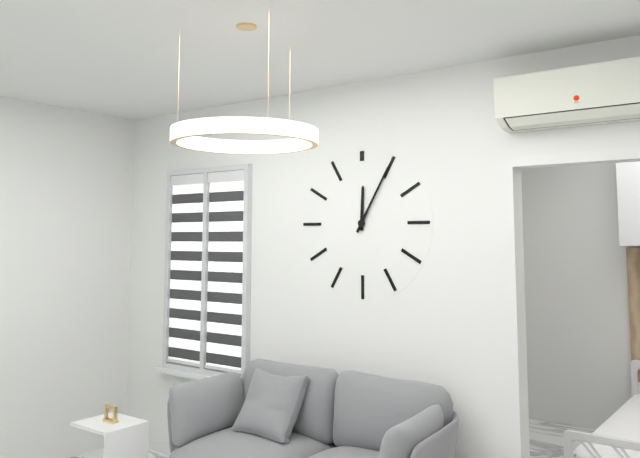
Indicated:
h=12 m=5
